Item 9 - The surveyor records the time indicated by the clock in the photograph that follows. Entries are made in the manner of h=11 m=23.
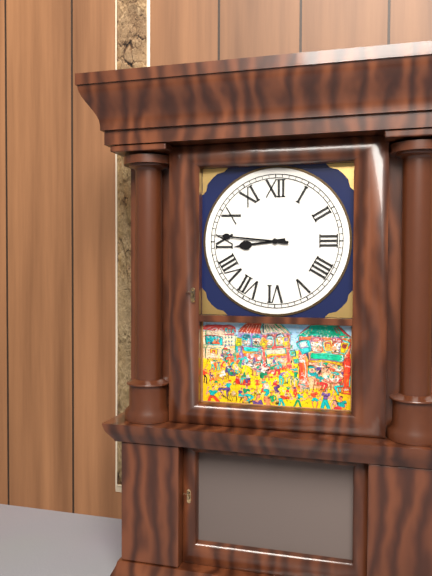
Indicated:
h=8 m=46
